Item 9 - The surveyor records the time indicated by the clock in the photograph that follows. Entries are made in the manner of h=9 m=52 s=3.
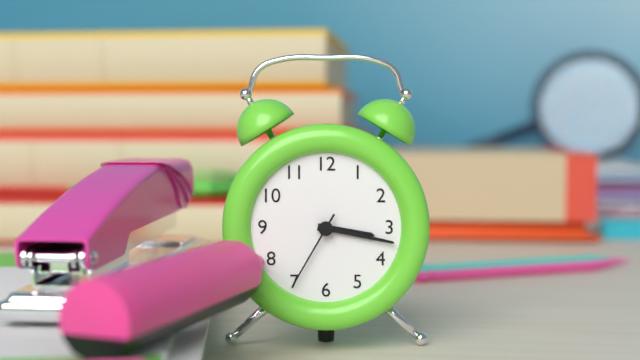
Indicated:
h=3 m=17 s=35
